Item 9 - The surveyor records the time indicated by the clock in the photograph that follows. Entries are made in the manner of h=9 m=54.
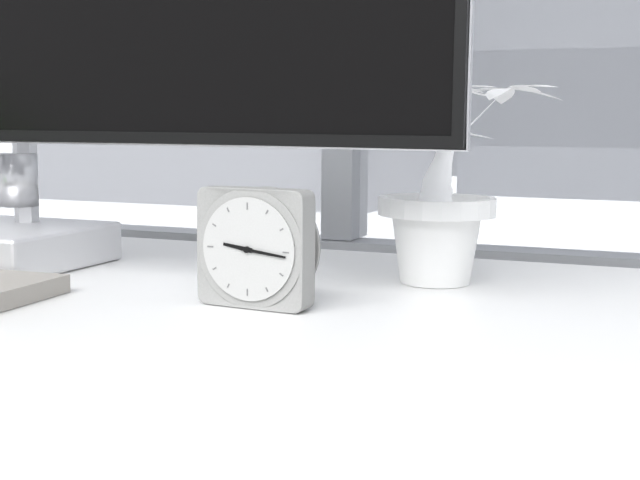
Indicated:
h=9 m=16
